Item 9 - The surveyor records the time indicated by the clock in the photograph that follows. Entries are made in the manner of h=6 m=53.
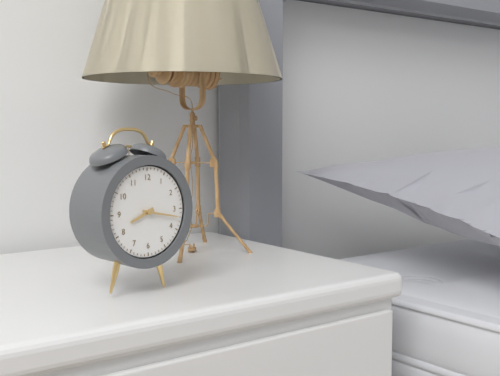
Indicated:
h=8 m=17
